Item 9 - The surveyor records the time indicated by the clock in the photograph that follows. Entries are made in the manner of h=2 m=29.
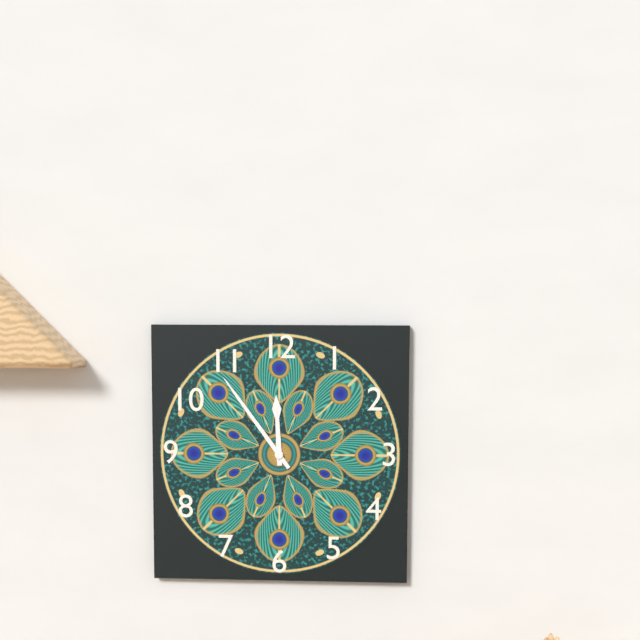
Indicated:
h=11 m=54
